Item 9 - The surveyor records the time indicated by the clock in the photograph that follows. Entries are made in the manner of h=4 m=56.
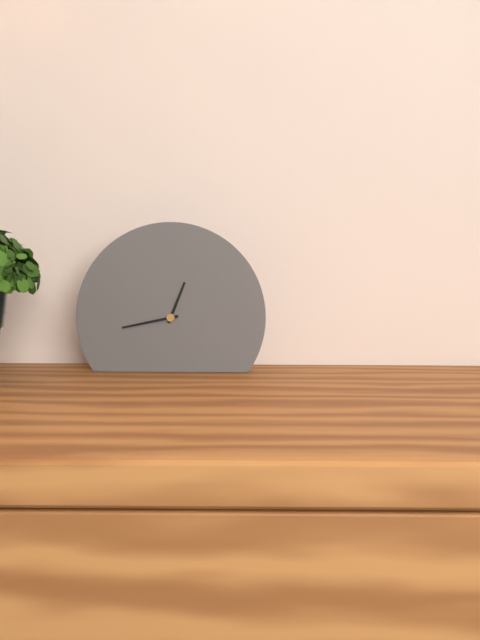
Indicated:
h=12 m=43
